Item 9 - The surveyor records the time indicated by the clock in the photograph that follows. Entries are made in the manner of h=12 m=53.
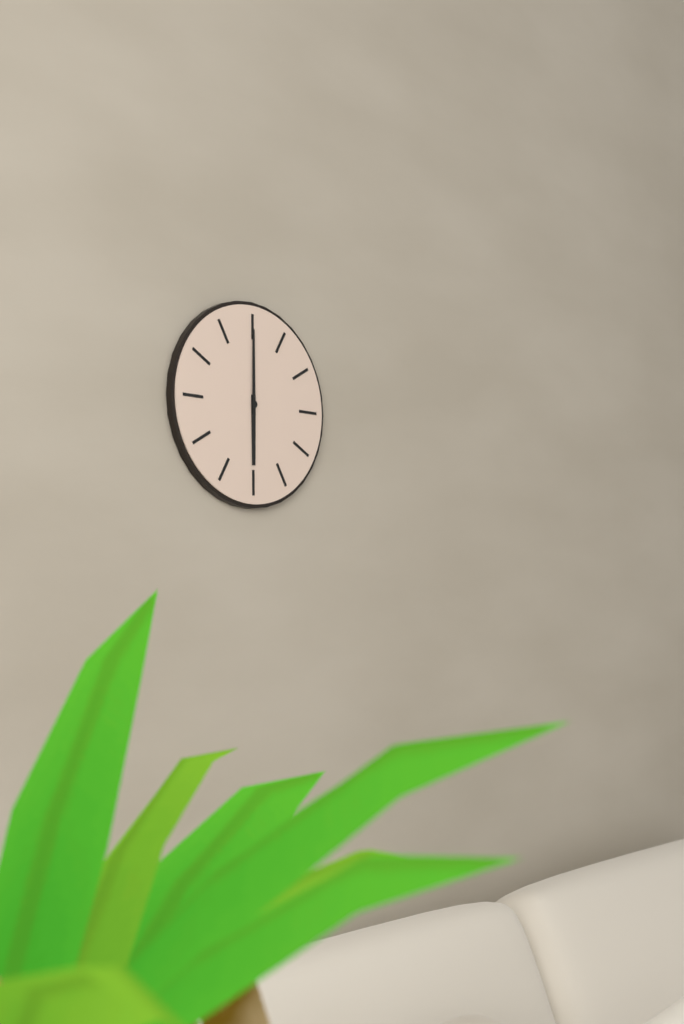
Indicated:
h=6 m=0
